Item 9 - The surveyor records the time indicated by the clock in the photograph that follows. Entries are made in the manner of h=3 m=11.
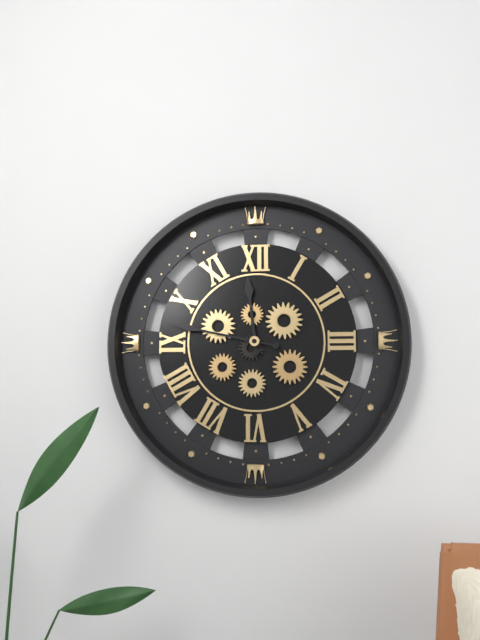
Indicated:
h=11 m=47
